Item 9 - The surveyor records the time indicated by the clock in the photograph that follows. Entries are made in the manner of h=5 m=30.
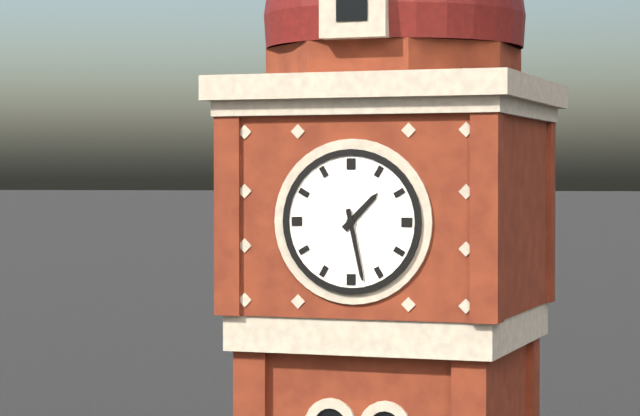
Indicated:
h=1 m=28
